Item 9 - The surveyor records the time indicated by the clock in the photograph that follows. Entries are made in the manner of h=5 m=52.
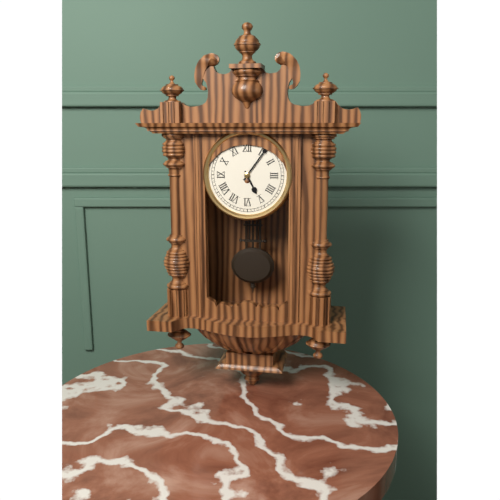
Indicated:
h=5 m=6
